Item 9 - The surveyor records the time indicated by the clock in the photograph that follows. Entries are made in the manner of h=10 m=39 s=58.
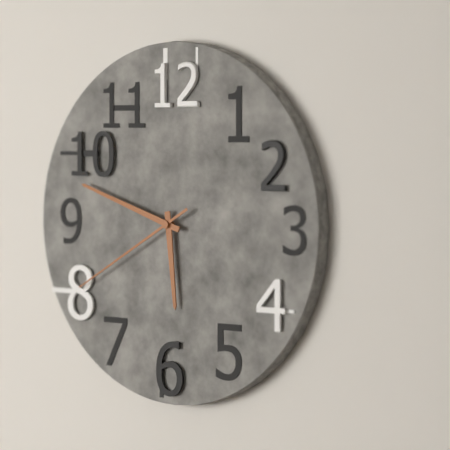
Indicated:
h=5 m=48 s=40
